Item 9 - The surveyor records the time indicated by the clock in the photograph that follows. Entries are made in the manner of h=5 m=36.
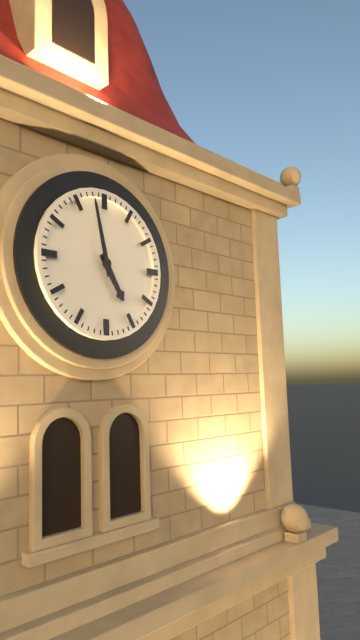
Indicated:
h=4 m=58
